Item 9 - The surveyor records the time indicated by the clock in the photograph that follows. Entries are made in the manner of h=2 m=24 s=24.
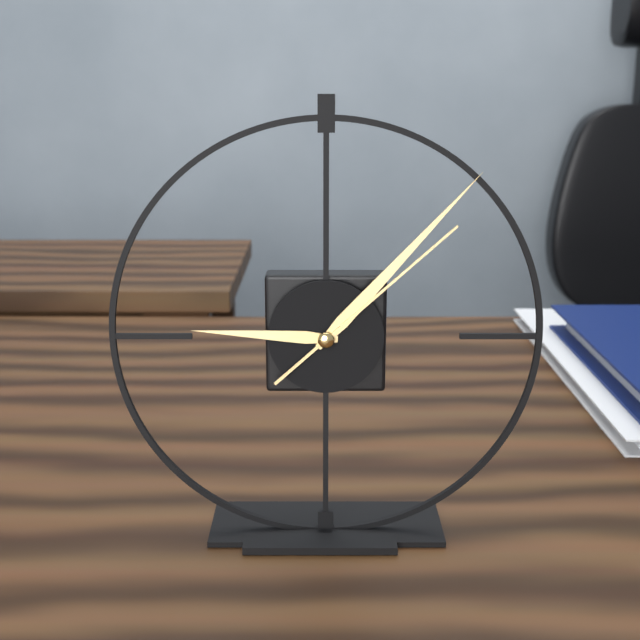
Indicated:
h=9 m=7 s=8
